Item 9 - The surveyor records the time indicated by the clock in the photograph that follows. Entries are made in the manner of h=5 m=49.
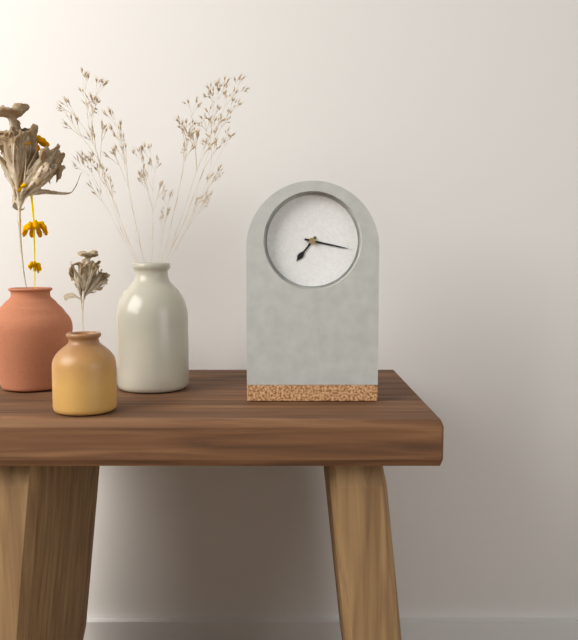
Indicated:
h=7 m=17
